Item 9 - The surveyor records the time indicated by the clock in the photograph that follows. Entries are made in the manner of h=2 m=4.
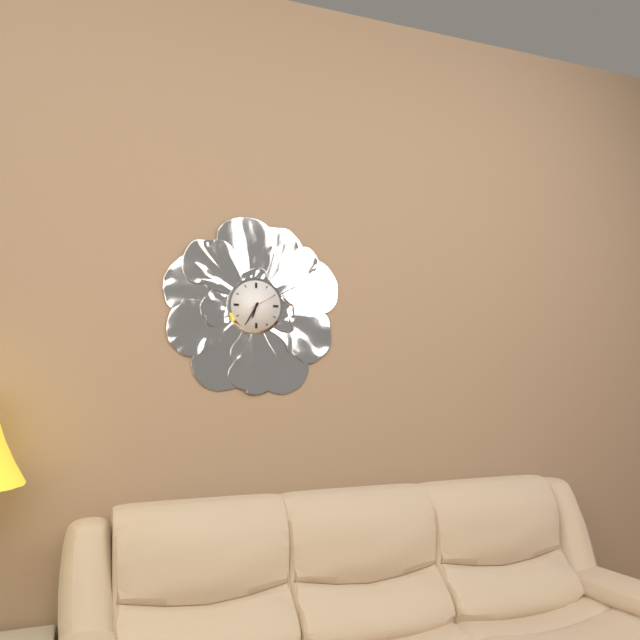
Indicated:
h=6 m=35
